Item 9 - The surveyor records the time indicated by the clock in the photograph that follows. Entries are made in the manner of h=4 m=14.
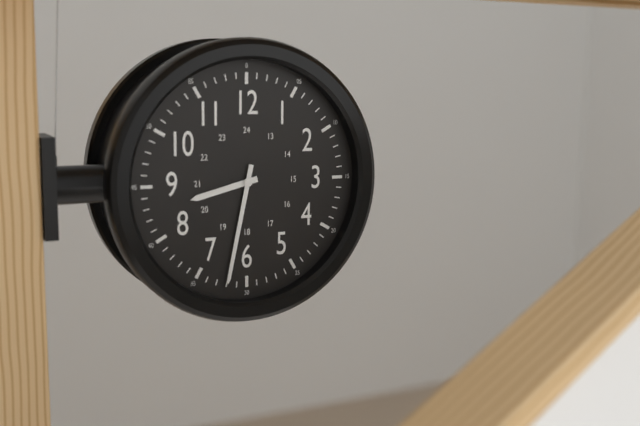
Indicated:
h=8 m=32
